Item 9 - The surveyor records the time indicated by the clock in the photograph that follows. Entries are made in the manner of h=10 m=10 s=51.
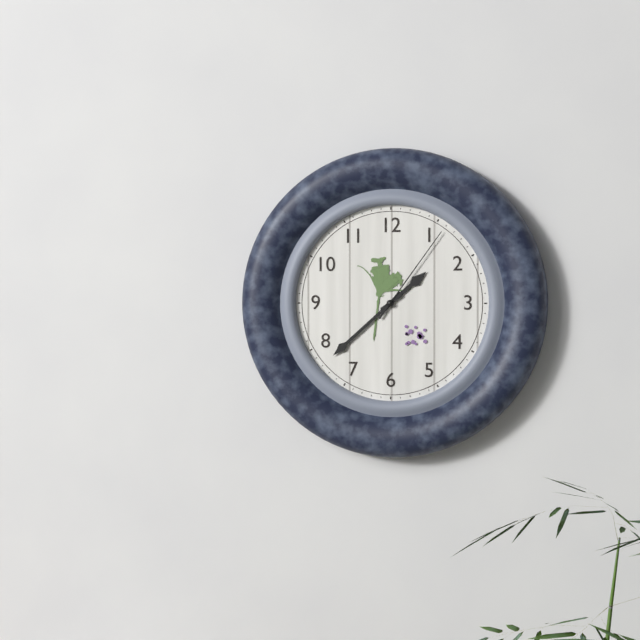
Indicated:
h=1 m=38 s=6
